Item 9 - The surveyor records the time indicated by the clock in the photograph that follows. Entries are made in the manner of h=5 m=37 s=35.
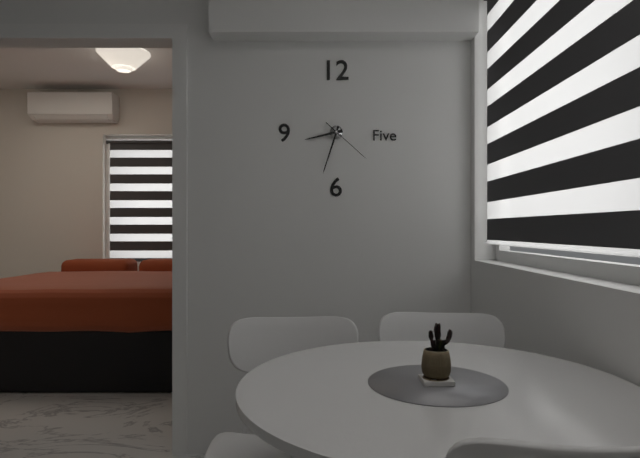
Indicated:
h=8 m=33 s=22
